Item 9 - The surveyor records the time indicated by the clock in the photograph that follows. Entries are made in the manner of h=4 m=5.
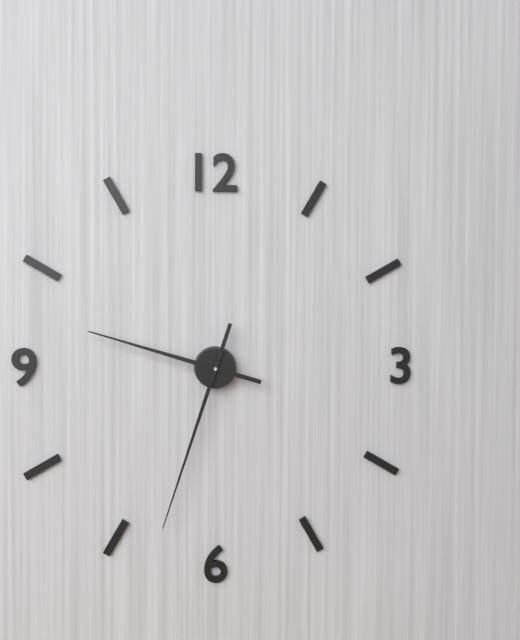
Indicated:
h=9 m=33
